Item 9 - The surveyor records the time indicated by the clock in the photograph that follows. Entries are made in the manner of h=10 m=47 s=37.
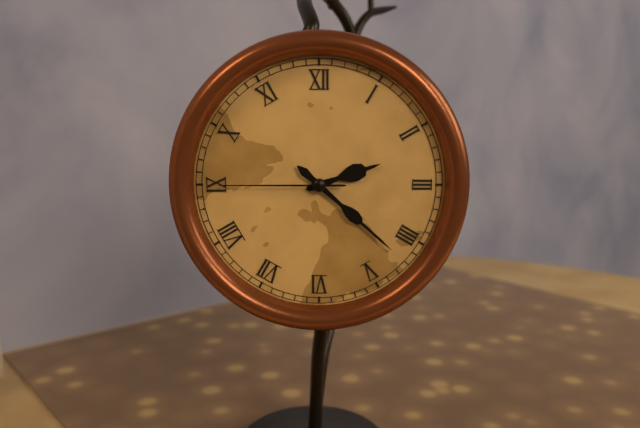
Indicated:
h=2 m=22 s=45
